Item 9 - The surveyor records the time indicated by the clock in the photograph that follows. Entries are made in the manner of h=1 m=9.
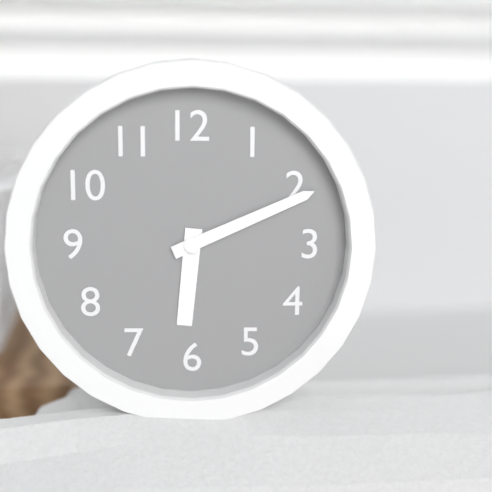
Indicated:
h=6 m=11
